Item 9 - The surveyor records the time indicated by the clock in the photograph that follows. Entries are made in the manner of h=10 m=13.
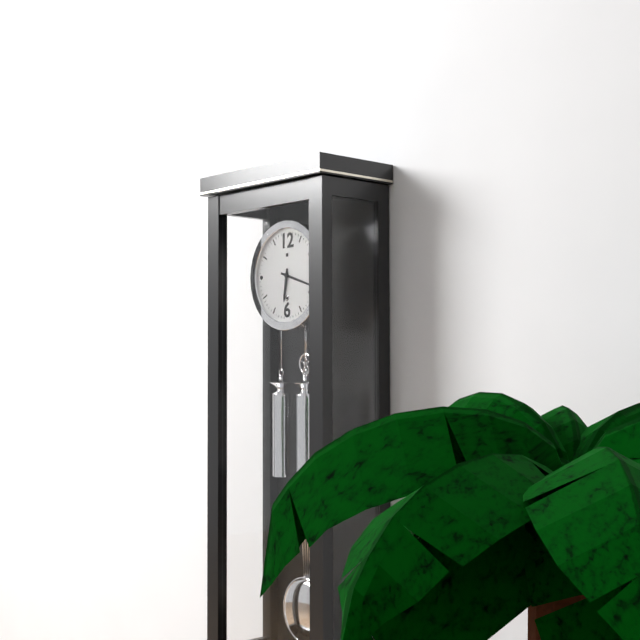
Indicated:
h=6 m=18
